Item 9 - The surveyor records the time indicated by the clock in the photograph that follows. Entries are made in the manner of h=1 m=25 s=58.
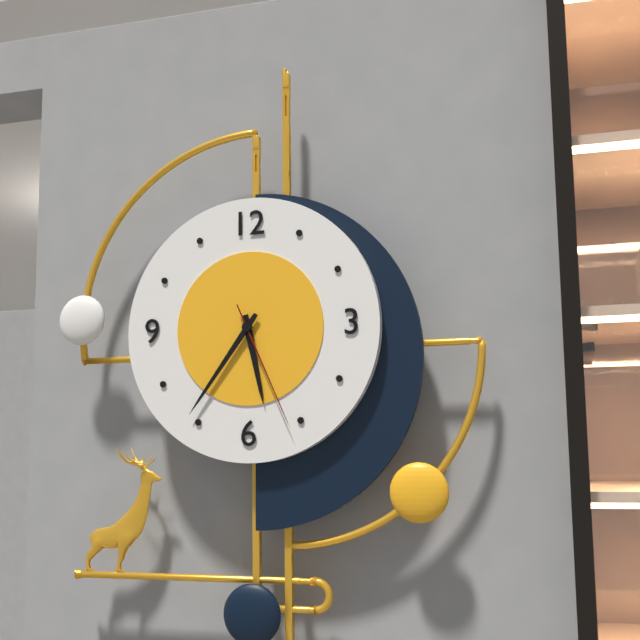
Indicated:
h=5 m=36 s=26
